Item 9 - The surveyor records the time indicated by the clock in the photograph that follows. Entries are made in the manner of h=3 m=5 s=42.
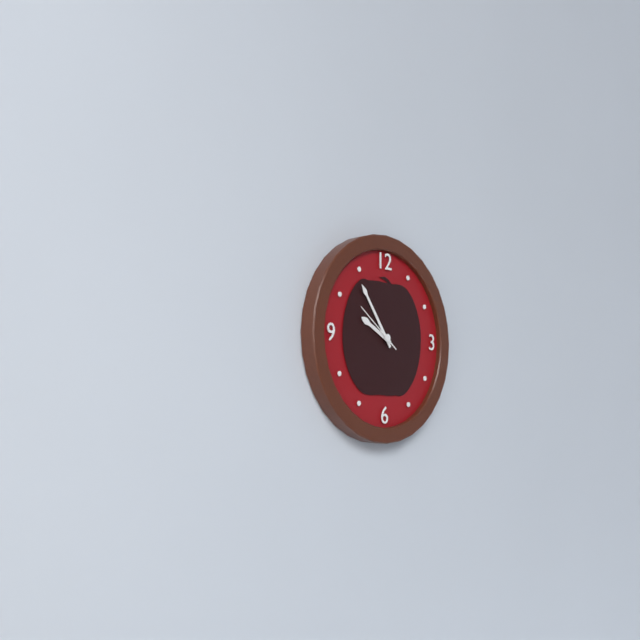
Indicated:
h=9 m=54 s=51
